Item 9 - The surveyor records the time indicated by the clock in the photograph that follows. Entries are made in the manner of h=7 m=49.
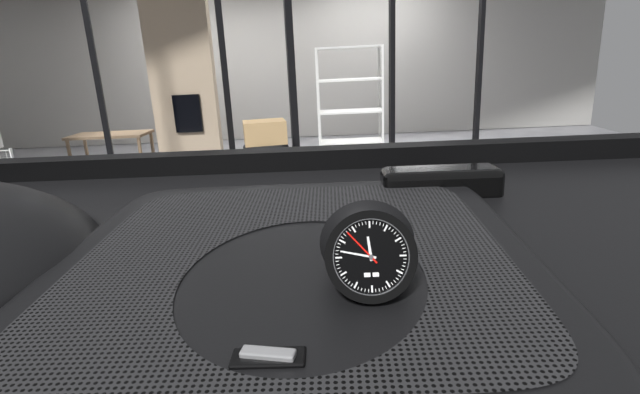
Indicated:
h=11 m=47
